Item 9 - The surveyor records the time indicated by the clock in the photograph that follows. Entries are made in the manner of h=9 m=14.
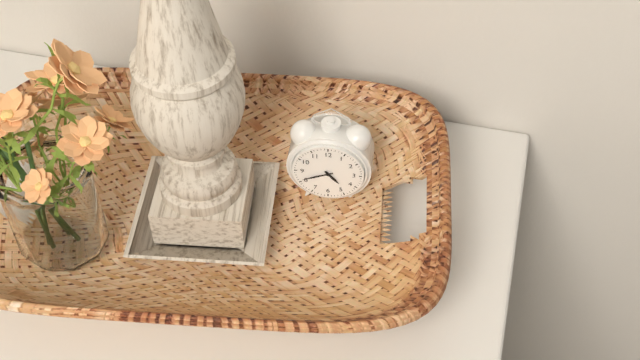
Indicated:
h=4 m=41
